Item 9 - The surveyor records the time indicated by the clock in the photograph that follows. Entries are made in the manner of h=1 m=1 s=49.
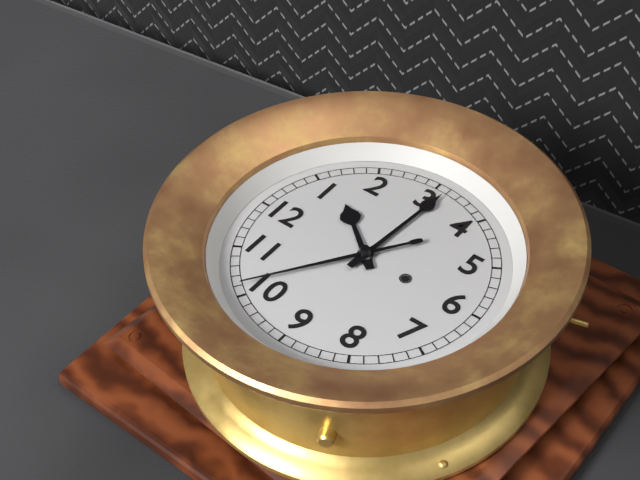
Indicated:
h=1 m=16 s=51
